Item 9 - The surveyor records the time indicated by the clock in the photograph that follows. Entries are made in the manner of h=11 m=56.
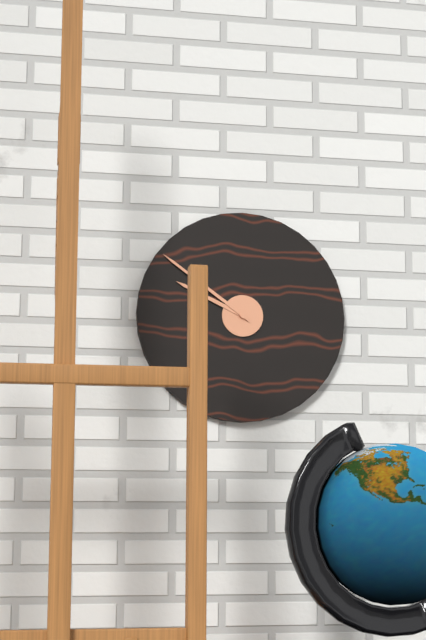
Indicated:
h=9 m=51
